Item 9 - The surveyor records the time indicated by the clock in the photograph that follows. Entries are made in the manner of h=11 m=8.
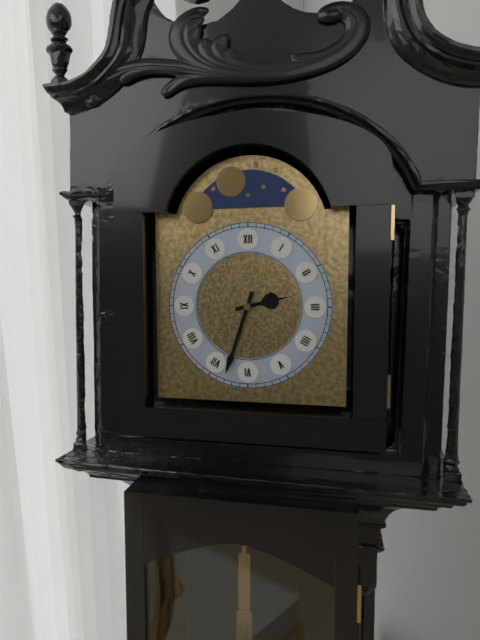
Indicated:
h=2 m=33
